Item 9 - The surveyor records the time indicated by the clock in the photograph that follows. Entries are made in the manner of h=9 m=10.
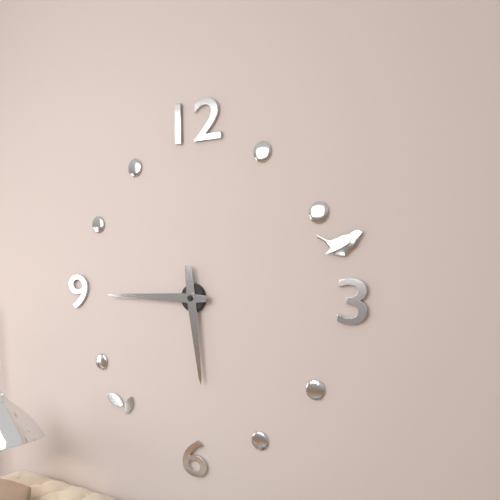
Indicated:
h=5 m=45
